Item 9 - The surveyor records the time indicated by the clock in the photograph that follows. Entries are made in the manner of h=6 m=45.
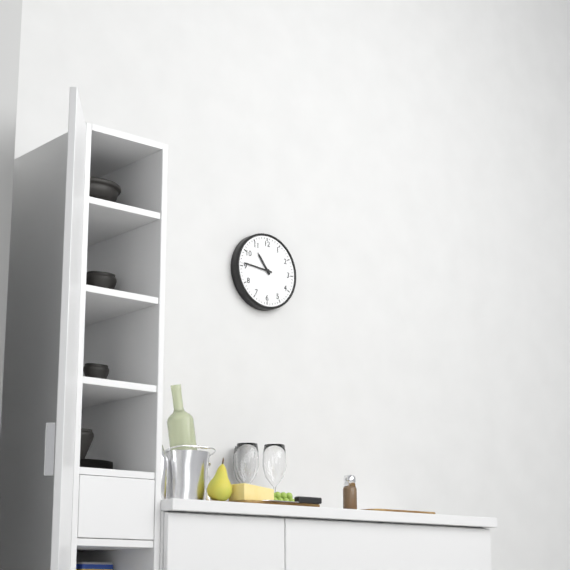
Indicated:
h=10 m=46
